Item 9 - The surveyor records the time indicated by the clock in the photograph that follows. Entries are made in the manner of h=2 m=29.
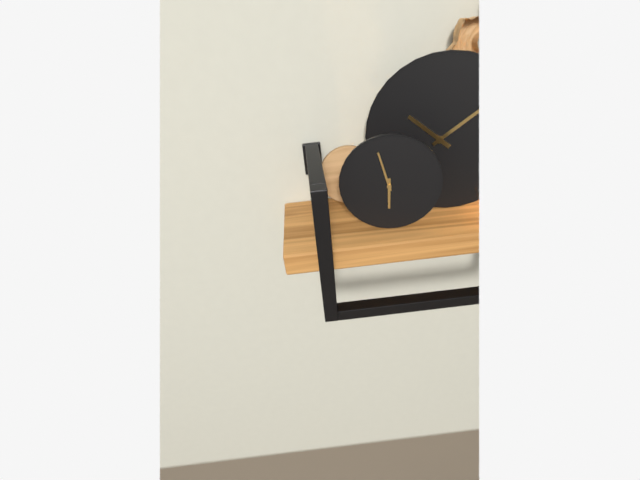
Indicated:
h=5 m=57
